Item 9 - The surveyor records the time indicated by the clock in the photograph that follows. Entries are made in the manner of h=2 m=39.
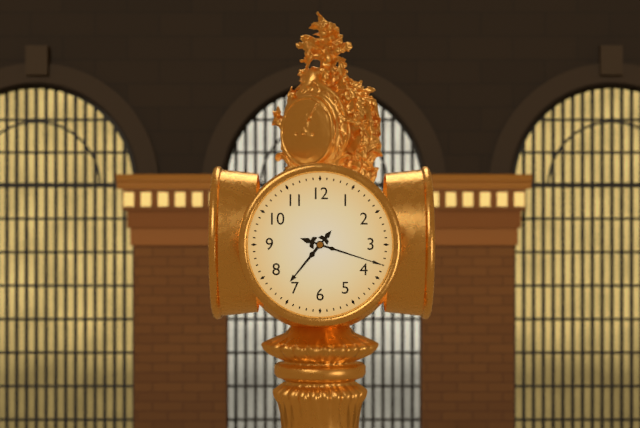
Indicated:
h=7 m=18
